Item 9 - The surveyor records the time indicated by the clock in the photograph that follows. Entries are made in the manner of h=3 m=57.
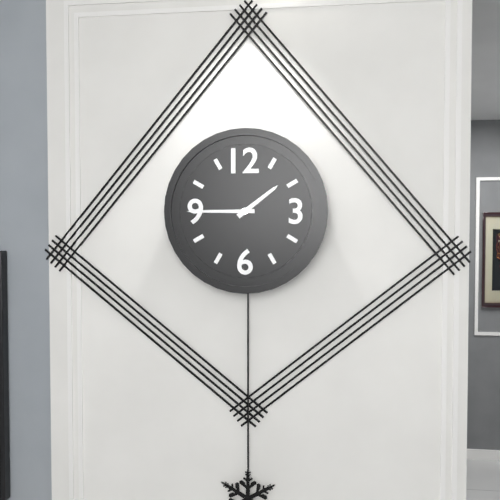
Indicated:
h=1 m=45
